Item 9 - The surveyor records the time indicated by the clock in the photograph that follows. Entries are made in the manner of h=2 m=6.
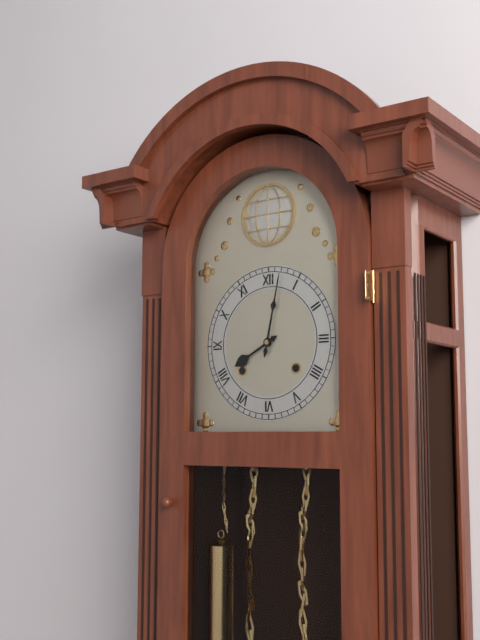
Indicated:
h=8 m=2
